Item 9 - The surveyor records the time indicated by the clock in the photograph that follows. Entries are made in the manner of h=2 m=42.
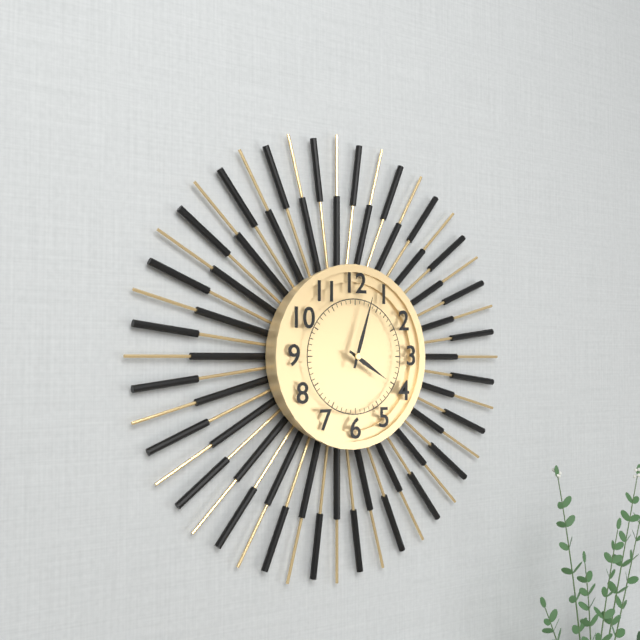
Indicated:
h=4 m=3
